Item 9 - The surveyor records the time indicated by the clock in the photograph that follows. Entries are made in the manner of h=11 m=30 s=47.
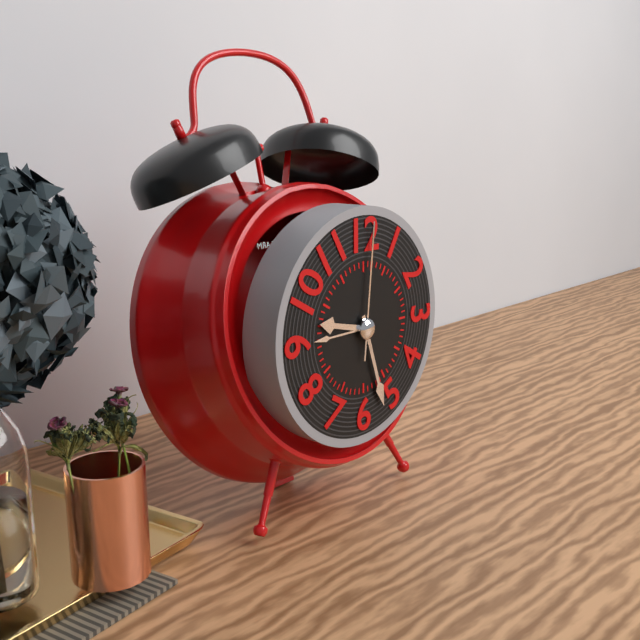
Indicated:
h=9 m=27 s=1
